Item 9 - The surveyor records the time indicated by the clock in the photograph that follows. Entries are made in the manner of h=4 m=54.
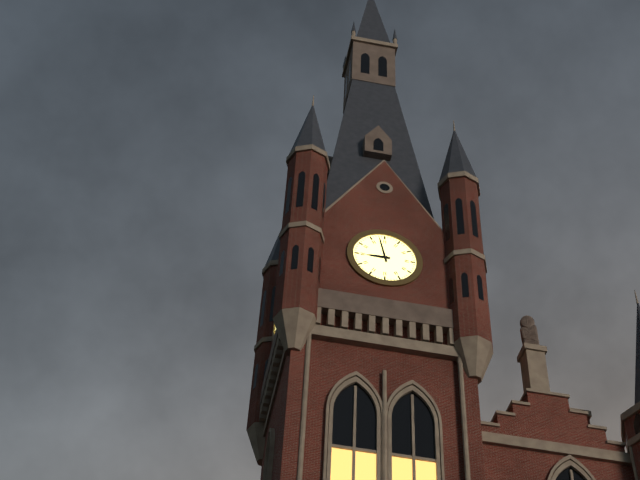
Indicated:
h=8 m=58
